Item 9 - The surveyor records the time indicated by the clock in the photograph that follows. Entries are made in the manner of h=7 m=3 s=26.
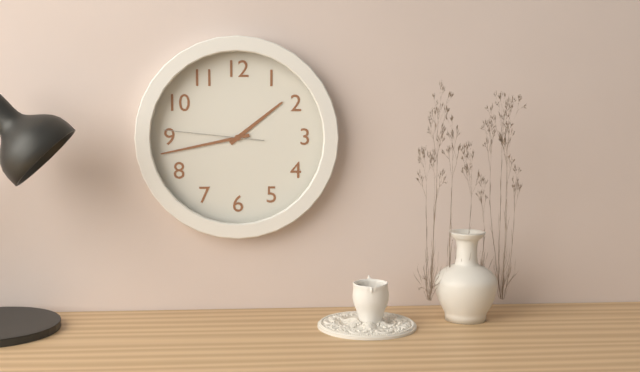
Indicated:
h=1 m=43 s=46
